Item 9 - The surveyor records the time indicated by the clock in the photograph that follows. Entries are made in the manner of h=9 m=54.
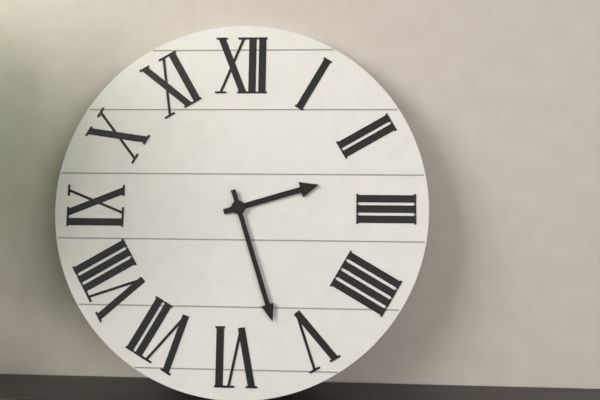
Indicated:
h=2 m=27
